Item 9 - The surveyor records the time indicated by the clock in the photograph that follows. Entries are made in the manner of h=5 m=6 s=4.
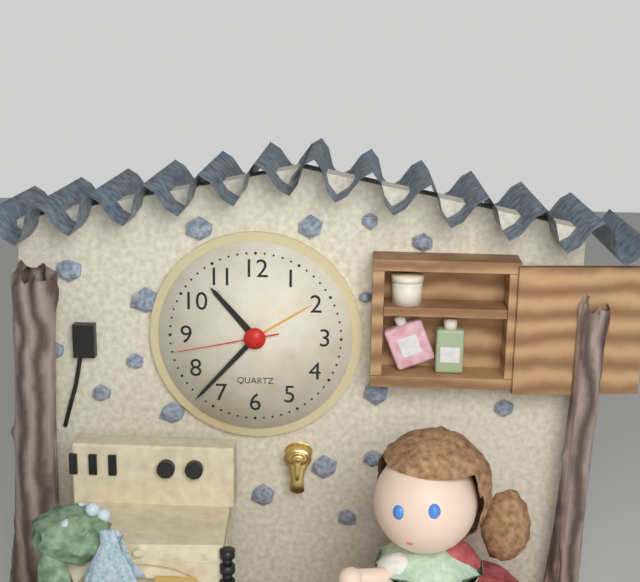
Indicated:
h=10 m=37 s=43
